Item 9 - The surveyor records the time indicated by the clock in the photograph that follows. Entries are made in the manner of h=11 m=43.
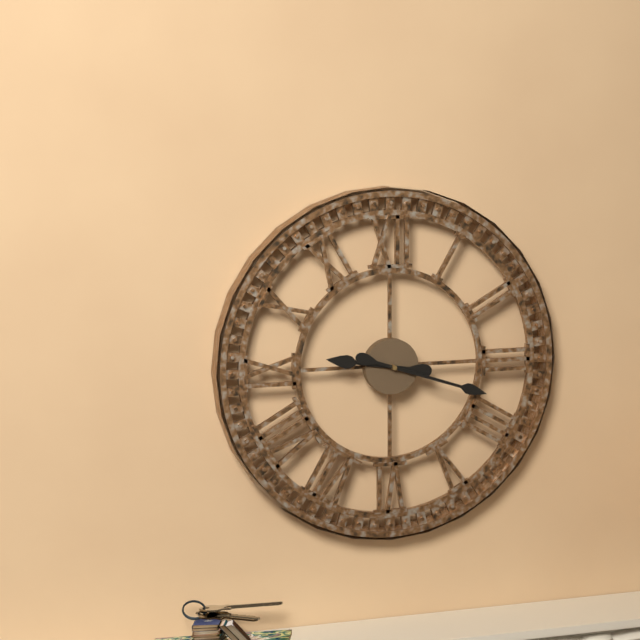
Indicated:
h=9 m=18
